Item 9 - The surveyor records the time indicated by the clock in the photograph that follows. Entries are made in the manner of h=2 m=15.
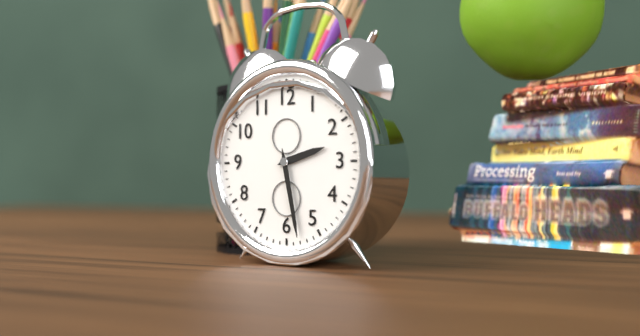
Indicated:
h=2 m=28
